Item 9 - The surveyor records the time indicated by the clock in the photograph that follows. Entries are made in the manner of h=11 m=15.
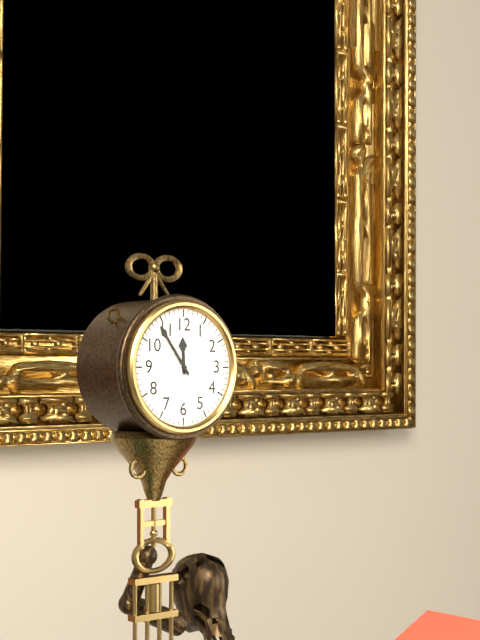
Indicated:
h=11 m=54
